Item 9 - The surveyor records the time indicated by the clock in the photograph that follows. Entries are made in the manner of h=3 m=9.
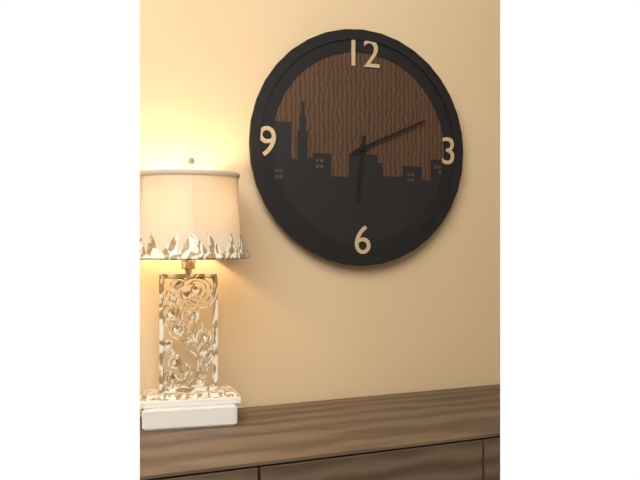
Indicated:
h=6 m=11
